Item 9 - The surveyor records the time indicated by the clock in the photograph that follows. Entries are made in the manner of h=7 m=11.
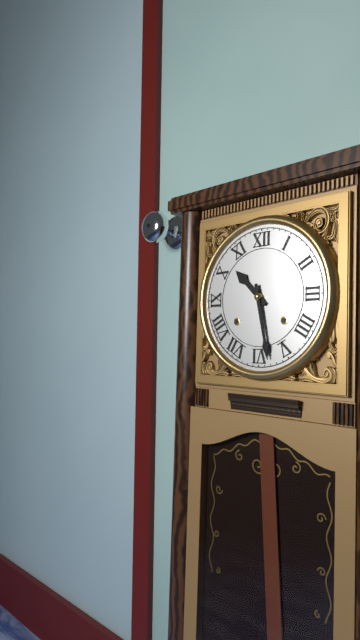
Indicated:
h=10 m=28
